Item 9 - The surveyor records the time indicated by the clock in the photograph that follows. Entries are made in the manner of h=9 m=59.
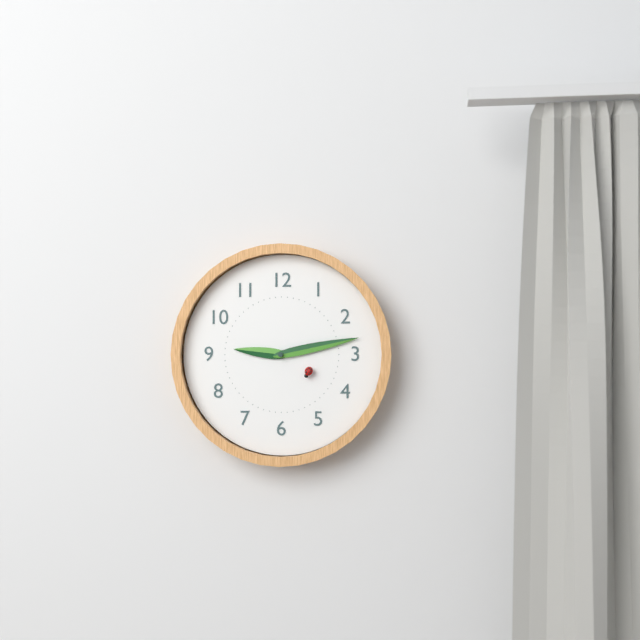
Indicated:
h=9 m=13
